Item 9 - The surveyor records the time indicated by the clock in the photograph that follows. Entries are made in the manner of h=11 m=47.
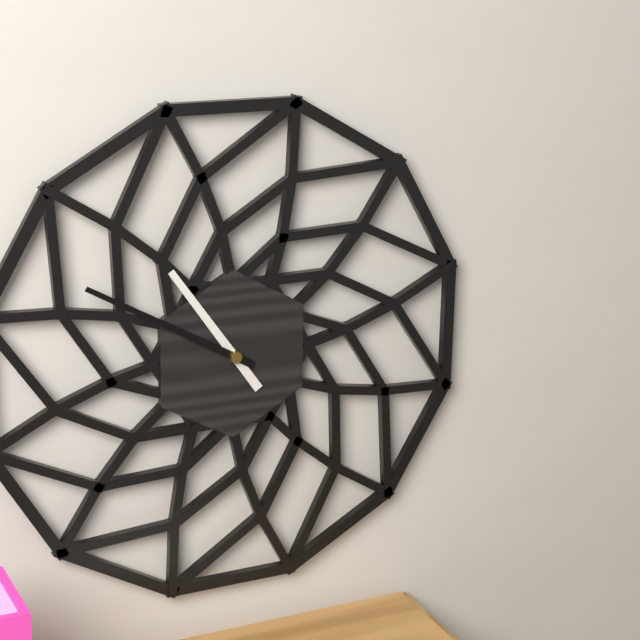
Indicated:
h=10 m=50
